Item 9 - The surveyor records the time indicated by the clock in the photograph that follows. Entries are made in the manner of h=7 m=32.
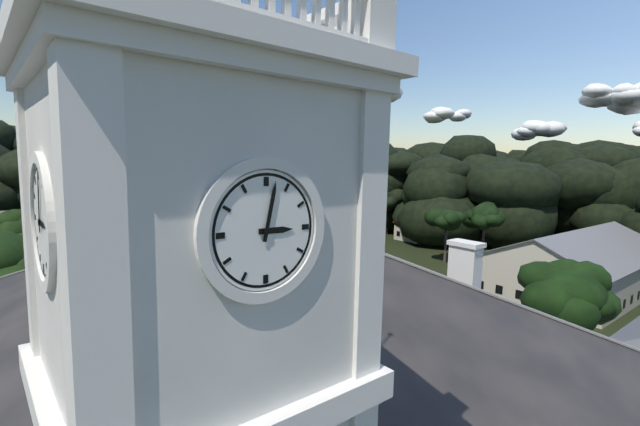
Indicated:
h=3 m=2
